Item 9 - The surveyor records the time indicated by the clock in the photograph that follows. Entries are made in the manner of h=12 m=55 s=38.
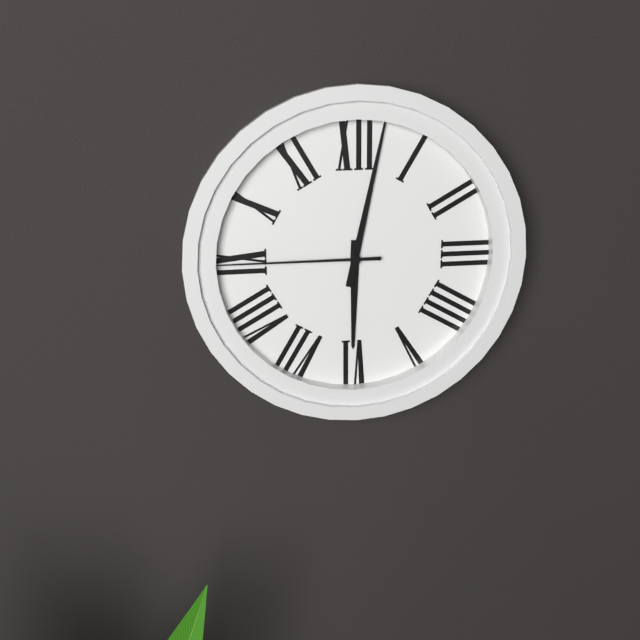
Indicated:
h=6 m=2 s=45
